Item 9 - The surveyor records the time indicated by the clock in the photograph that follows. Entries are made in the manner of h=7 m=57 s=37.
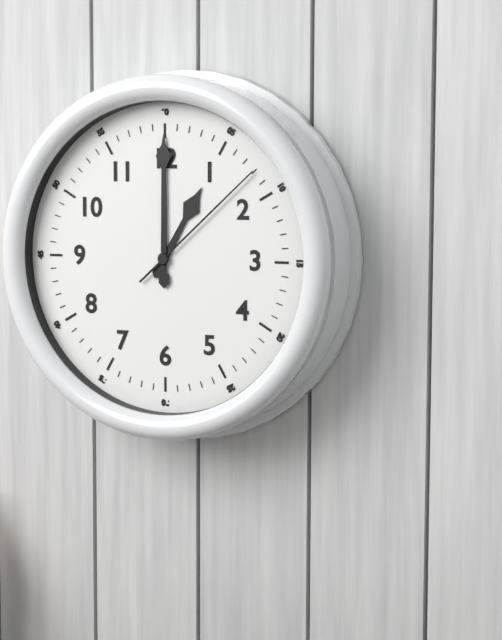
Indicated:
h=1 m=0 s=8
